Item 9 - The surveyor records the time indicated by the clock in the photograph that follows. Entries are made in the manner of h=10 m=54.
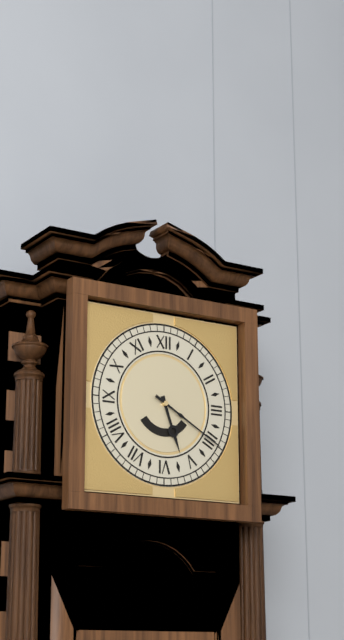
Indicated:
h=5 m=20
